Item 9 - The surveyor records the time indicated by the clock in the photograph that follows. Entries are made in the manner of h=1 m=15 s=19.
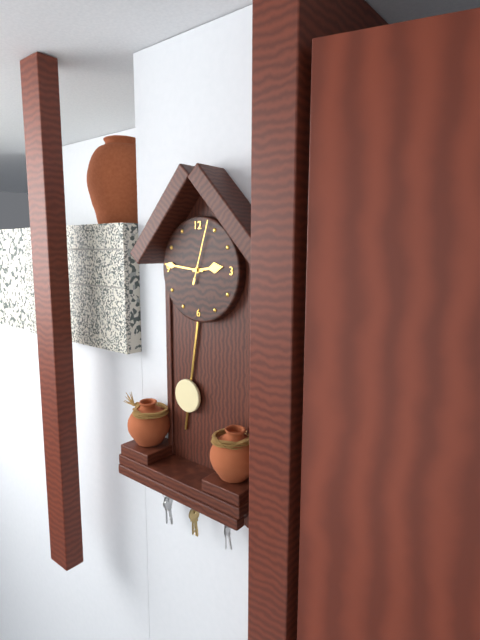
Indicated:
h=2 m=46 s=3
